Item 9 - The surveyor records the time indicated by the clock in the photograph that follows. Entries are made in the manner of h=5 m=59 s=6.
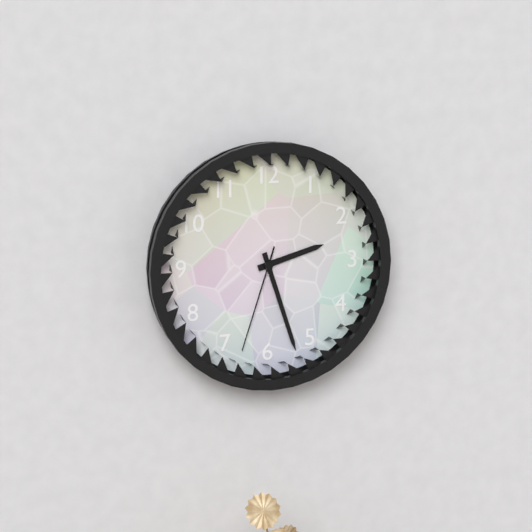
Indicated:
h=2 m=27 s=33
